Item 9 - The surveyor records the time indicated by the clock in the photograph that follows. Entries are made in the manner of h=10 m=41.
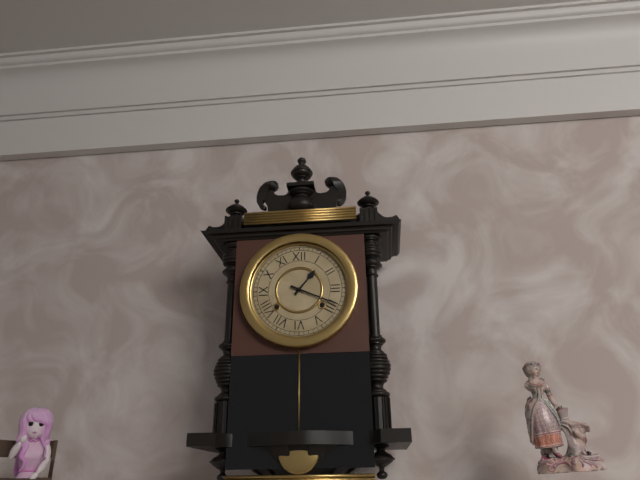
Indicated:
h=1 m=19
